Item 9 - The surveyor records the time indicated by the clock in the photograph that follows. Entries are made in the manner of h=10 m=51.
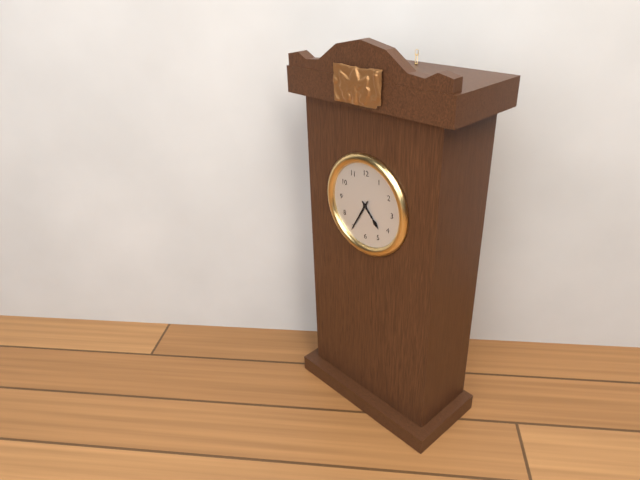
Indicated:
h=4 m=35
